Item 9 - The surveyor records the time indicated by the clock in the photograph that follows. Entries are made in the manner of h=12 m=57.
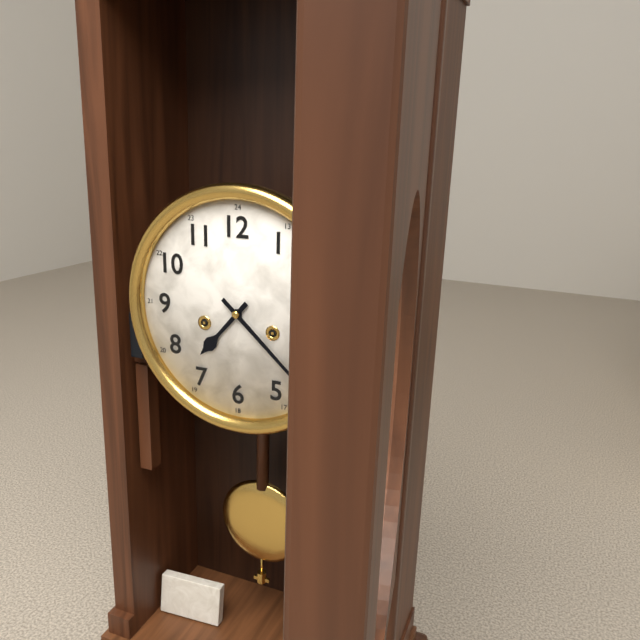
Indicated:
h=7 m=22
